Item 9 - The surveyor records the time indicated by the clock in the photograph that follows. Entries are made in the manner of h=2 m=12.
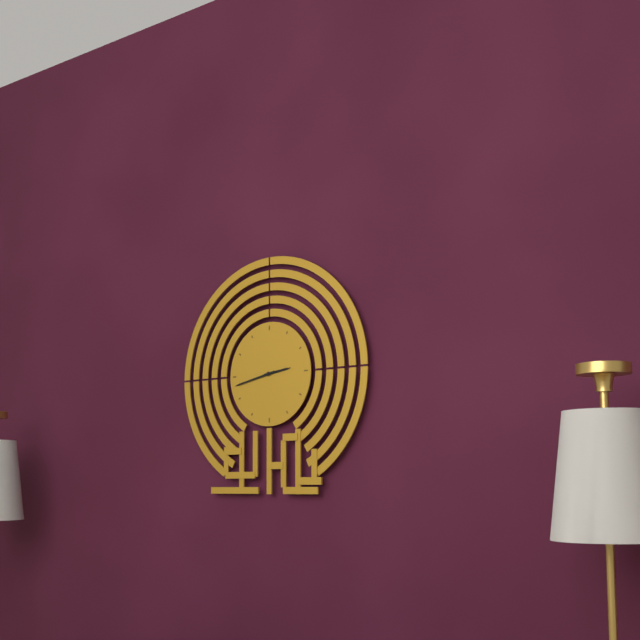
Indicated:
h=2 m=43
